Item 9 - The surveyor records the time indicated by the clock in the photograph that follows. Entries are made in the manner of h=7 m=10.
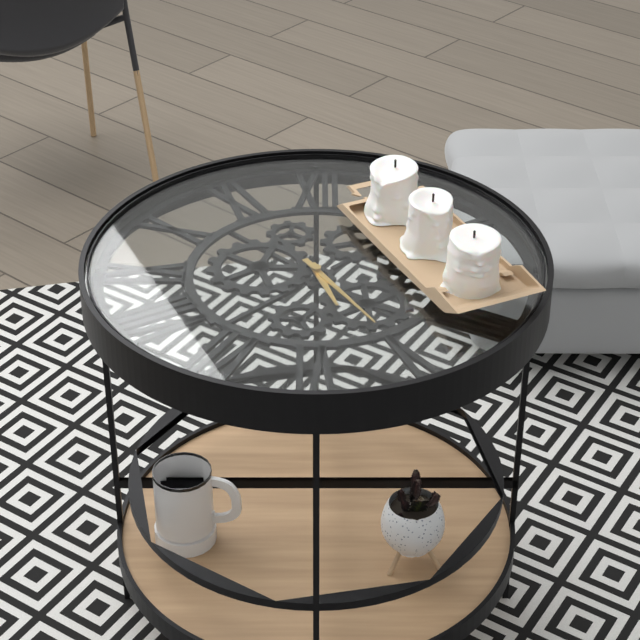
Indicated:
h=5 m=25
